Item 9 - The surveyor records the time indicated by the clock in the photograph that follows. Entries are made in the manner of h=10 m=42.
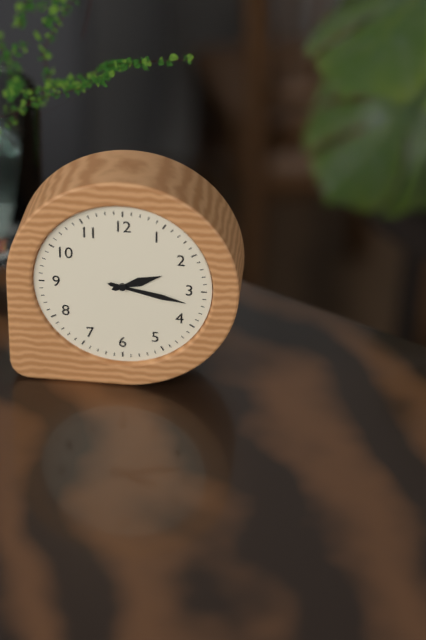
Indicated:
h=2 m=17
